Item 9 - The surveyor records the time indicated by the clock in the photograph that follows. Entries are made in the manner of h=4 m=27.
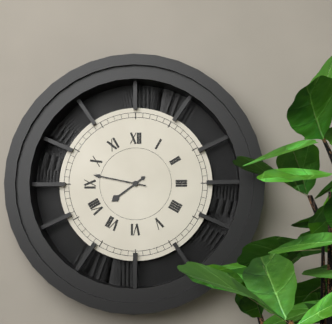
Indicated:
h=7 m=47
